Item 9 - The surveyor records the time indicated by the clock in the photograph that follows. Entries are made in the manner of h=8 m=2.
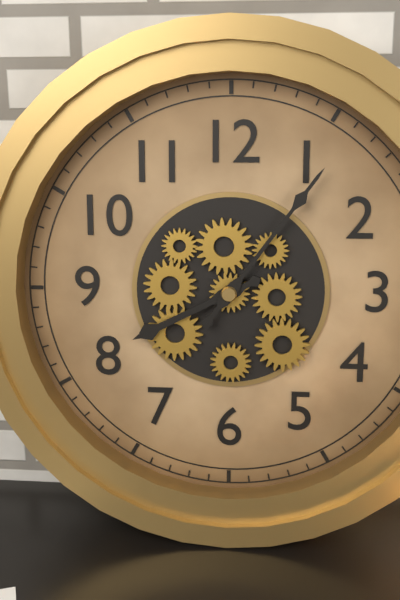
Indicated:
h=8 m=6
